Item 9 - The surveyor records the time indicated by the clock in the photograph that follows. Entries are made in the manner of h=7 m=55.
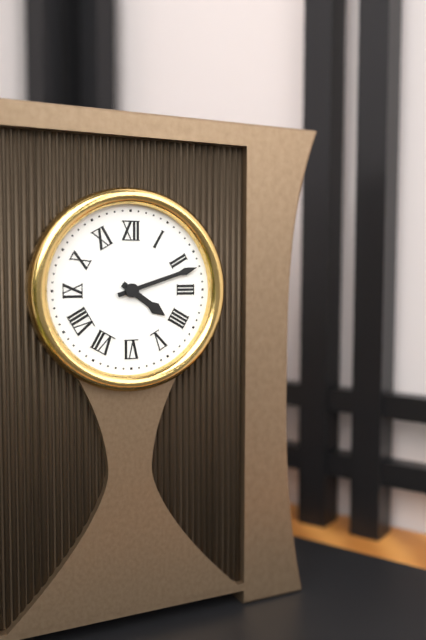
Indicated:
h=4 m=12
